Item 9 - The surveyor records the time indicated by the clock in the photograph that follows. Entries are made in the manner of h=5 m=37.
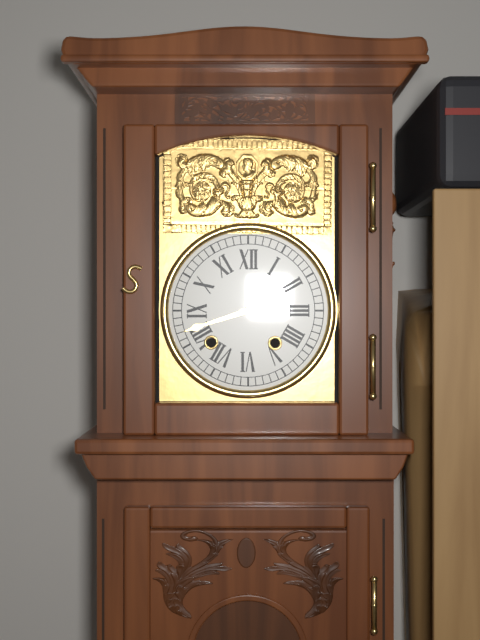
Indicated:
h=2 m=42
